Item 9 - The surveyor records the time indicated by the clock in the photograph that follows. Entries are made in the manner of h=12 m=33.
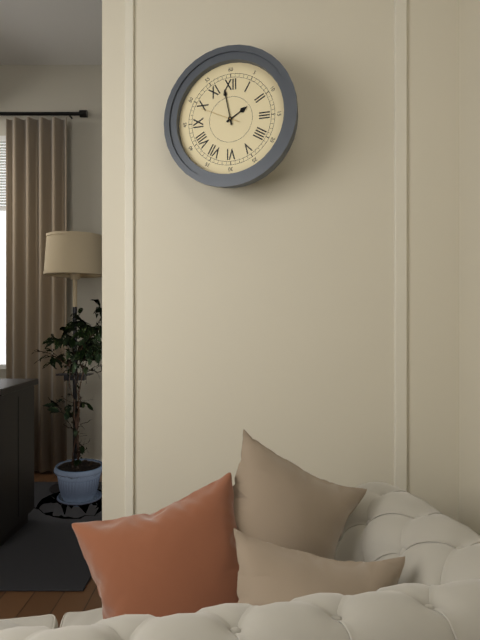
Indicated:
h=1 m=58
